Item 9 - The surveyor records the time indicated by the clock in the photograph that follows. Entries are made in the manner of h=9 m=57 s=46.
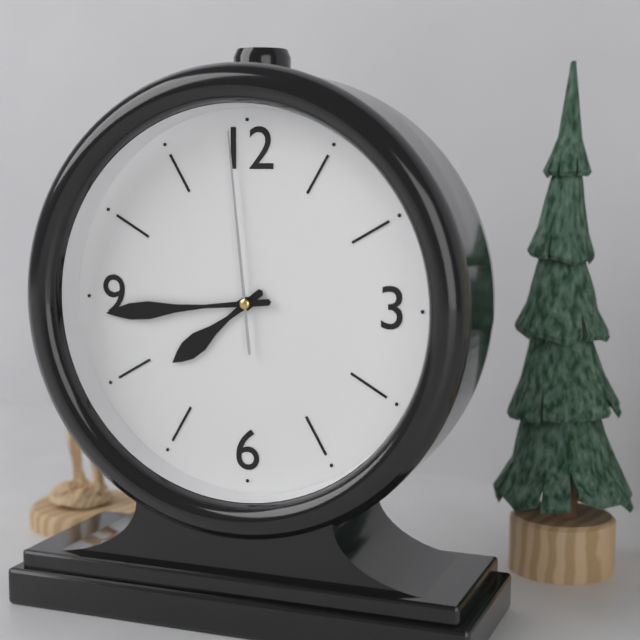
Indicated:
h=7 m=44 s=59
